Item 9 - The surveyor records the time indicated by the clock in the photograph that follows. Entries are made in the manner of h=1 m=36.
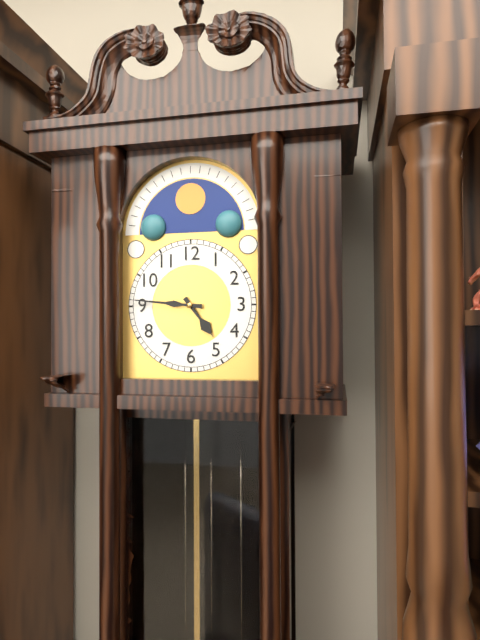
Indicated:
h=4 m=46
